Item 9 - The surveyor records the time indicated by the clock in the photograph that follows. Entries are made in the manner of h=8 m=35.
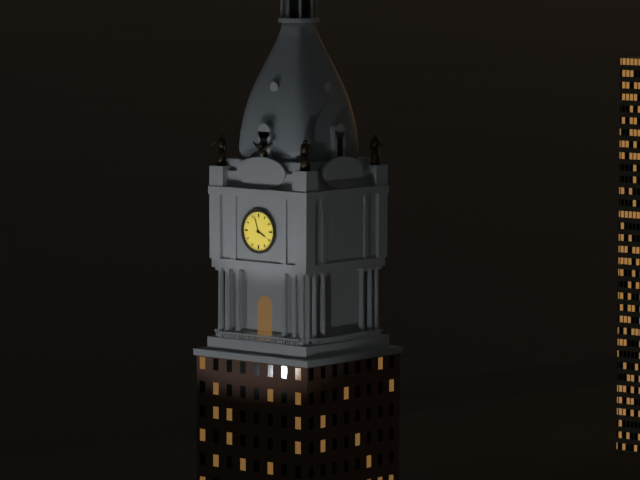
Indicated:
h=3 m=57
